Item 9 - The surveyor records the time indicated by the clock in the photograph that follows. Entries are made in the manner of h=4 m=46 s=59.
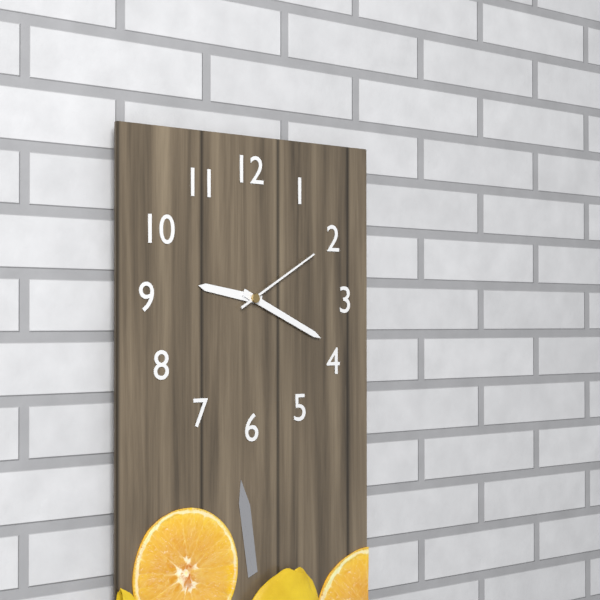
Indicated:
h=9 m=19 s=10
